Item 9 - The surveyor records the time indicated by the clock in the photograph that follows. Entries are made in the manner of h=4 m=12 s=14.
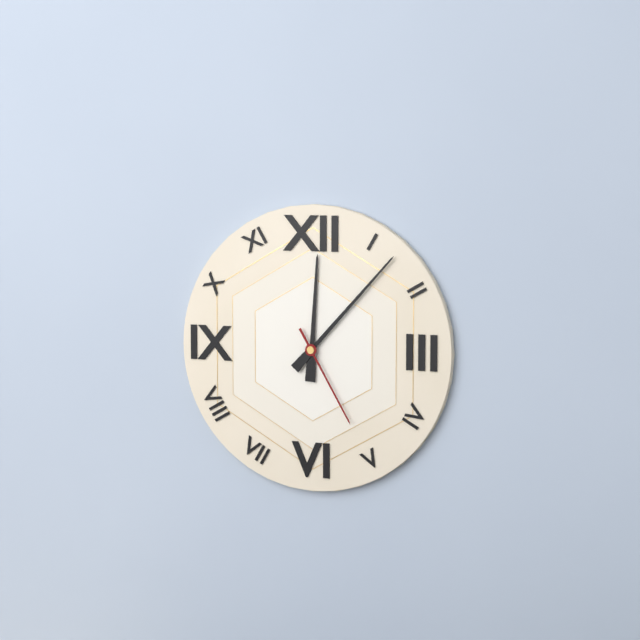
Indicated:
h=12 m=7 s=25
